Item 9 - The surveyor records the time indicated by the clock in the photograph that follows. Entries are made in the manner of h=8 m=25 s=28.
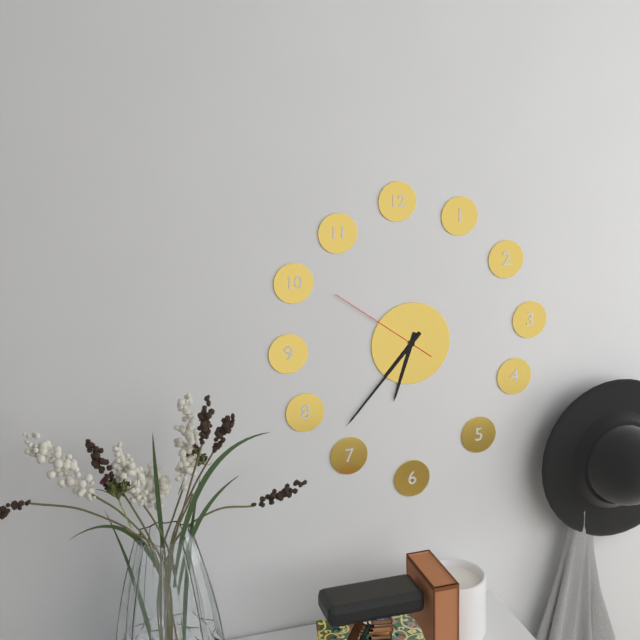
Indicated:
h=6 m=37 s=51
